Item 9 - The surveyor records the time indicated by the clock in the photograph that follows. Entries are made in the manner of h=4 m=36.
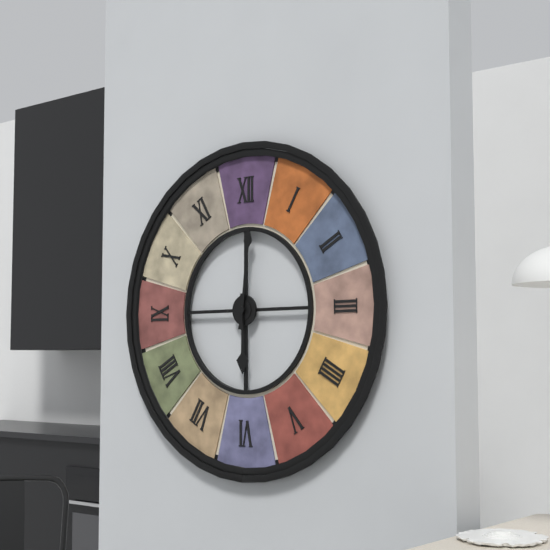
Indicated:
h=6 m=1
